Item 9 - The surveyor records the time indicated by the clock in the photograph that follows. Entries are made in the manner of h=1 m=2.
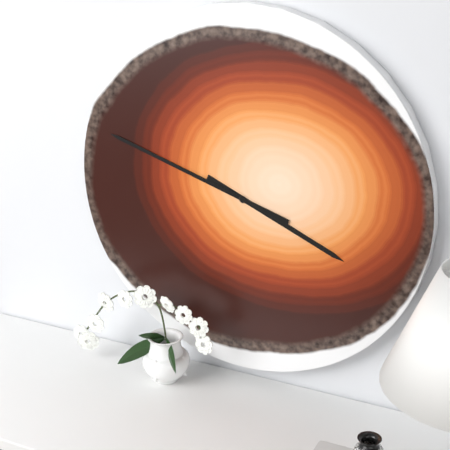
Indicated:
h=3 m=48
